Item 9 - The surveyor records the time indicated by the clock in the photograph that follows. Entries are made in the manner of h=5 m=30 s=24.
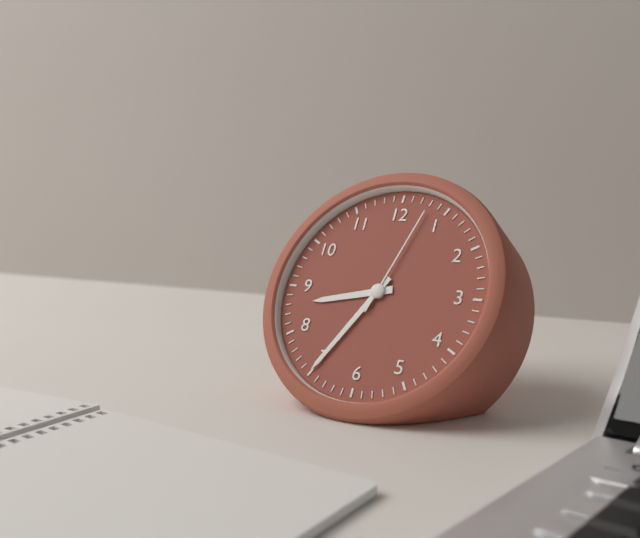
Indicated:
h=8 m=35 s=3
